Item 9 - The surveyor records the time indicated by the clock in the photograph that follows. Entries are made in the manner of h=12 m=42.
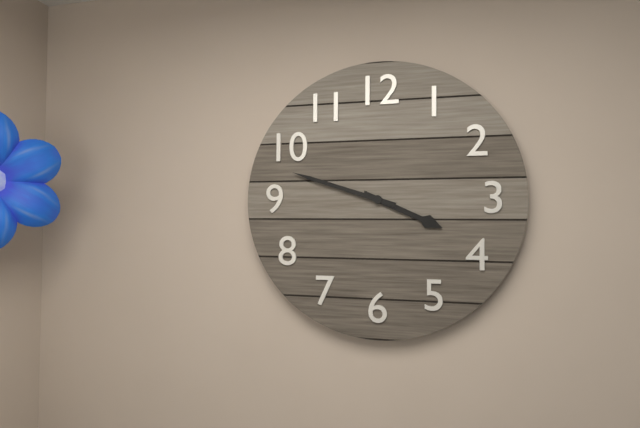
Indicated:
h=3 m=48
